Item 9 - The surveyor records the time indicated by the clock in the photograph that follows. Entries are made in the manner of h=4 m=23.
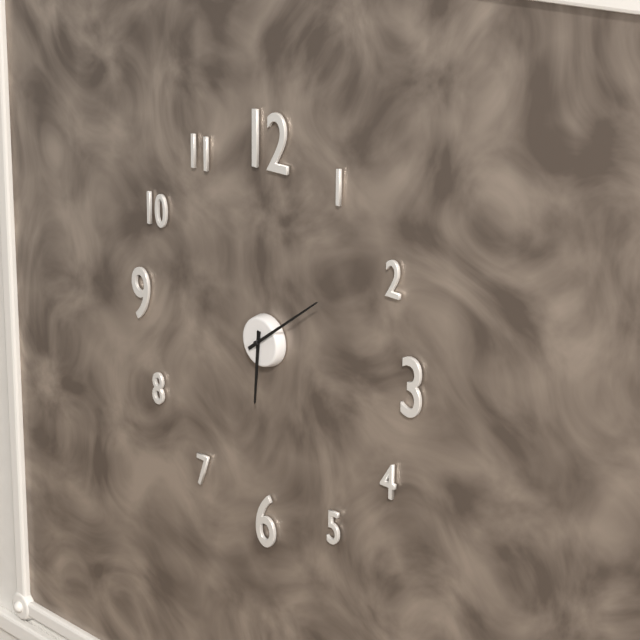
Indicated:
h=6 m=9
